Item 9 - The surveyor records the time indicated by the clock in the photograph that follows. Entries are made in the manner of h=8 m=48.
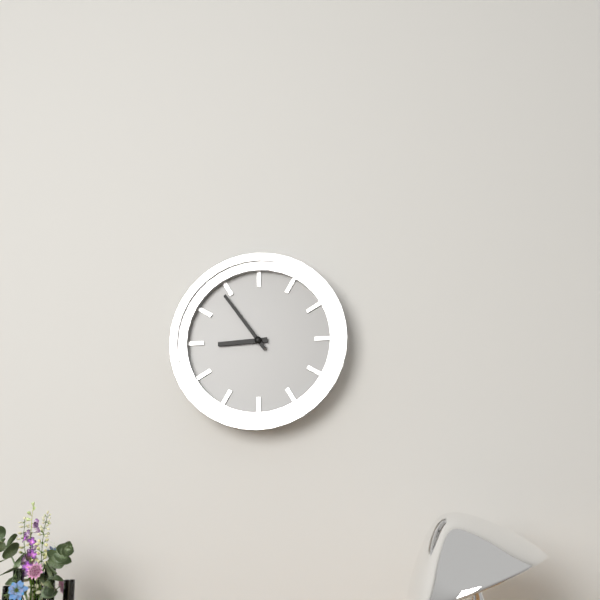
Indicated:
h=8 m=54
